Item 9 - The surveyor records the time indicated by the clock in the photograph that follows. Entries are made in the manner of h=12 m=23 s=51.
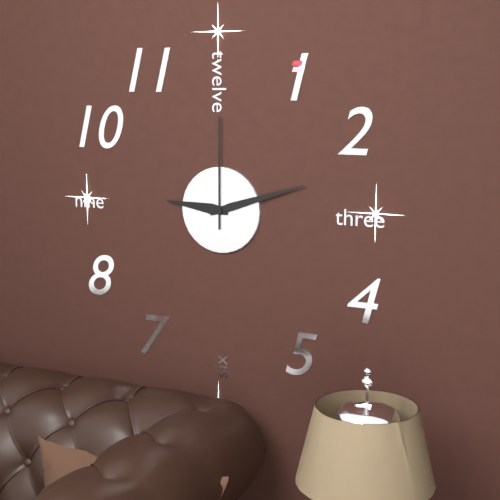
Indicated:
h=9 m=12 s=0
